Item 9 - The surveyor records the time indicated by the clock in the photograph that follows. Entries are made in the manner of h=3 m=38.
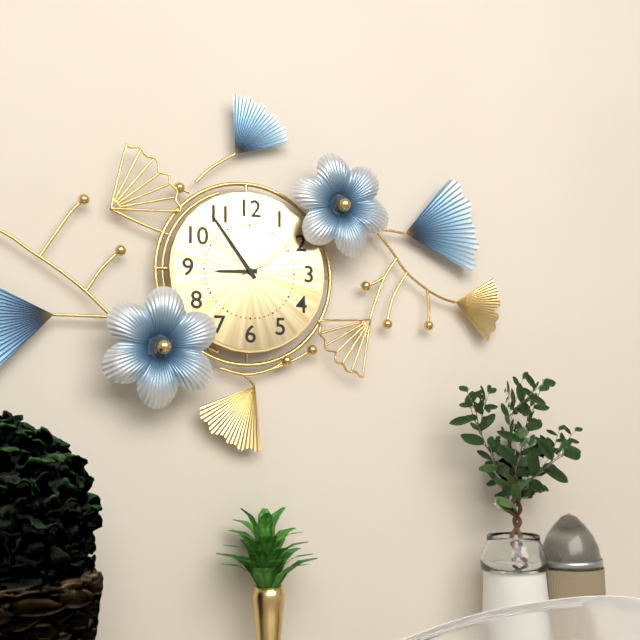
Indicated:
h=8 m=54
